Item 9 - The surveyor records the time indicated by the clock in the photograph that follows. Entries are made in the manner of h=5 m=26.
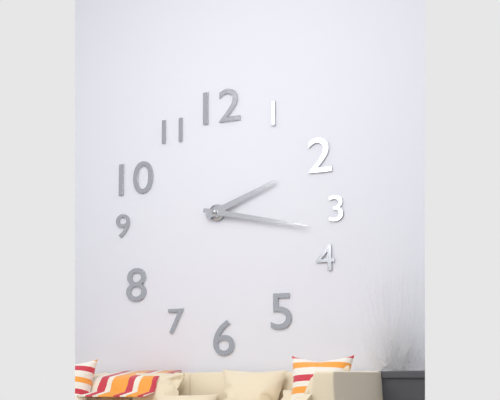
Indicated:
h=2 m=17
